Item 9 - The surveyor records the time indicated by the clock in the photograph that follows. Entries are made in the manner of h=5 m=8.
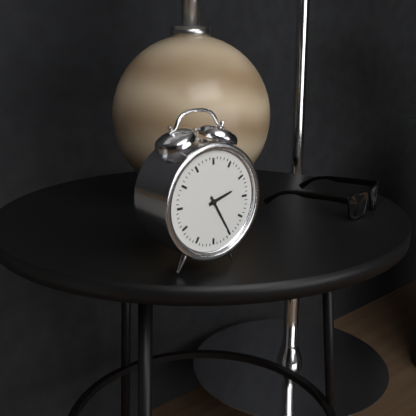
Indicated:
h=2 m=25
